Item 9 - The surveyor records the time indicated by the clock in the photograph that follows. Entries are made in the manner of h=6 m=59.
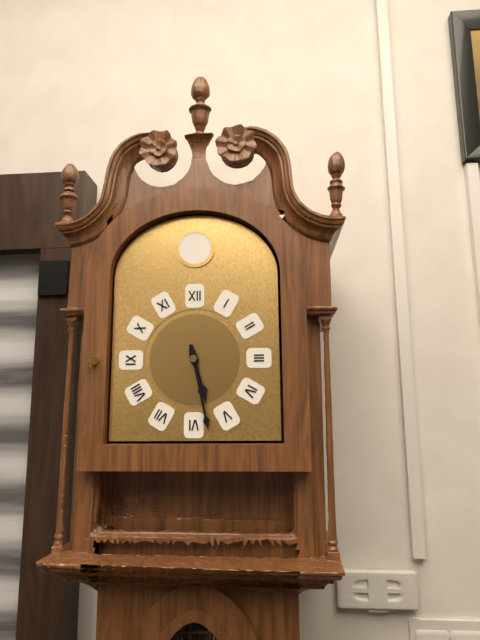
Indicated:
h=5 m=28
